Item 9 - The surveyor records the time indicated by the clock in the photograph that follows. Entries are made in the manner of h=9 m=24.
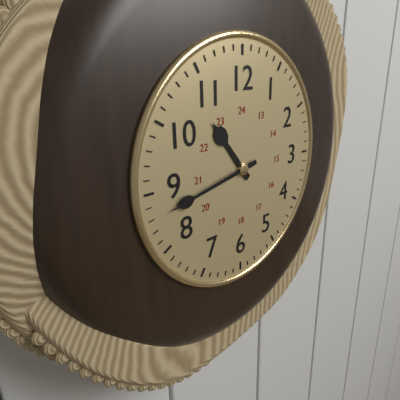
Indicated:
h=10 m=43
